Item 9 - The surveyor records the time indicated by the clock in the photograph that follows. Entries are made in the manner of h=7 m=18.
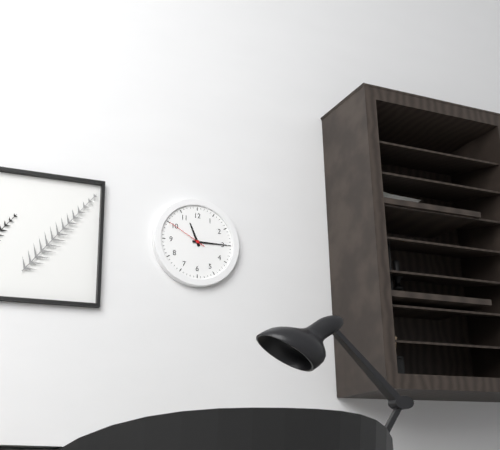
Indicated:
h=11 m=15
